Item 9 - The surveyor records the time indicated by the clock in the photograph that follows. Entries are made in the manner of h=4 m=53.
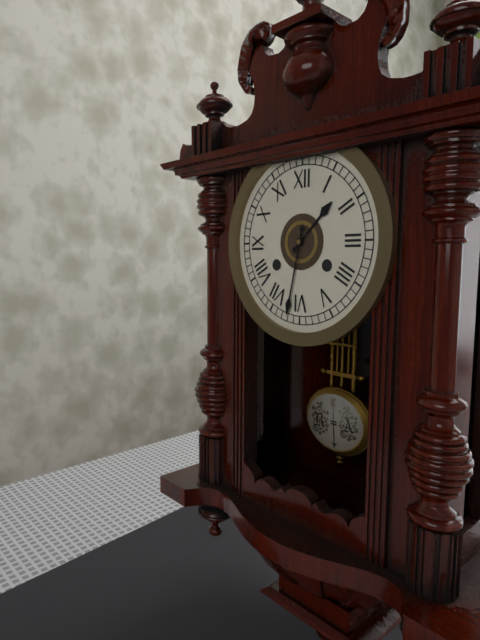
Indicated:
h=1 m=32
